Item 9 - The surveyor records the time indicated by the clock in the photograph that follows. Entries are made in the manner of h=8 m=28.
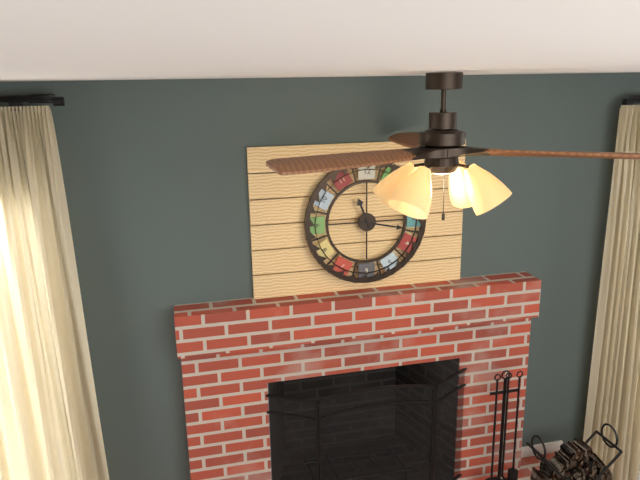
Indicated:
h=11 m=17
